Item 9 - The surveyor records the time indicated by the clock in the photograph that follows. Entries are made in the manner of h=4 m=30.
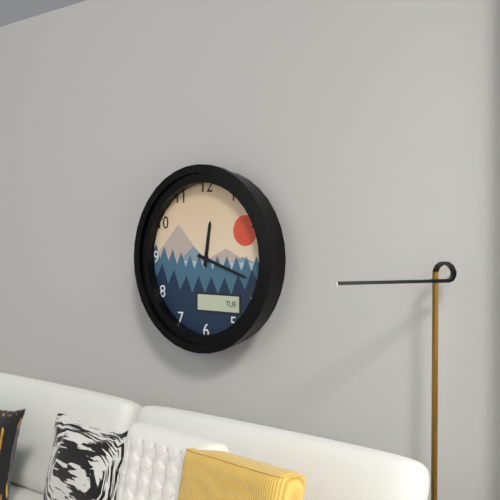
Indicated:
h=12 m=18
